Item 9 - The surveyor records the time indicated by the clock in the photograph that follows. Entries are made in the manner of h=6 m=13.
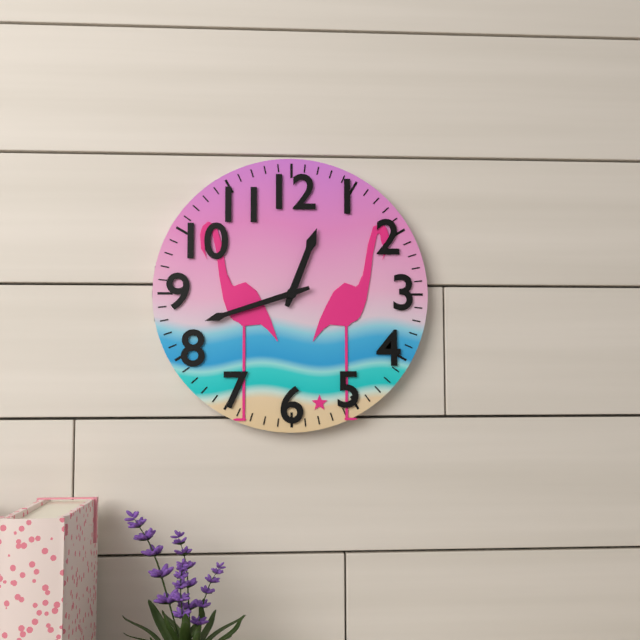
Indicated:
h=12 m=42
